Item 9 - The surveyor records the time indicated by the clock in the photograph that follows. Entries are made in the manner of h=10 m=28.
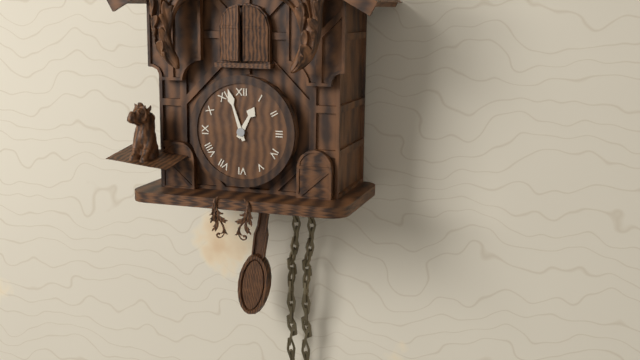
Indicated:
h=12 m=57
